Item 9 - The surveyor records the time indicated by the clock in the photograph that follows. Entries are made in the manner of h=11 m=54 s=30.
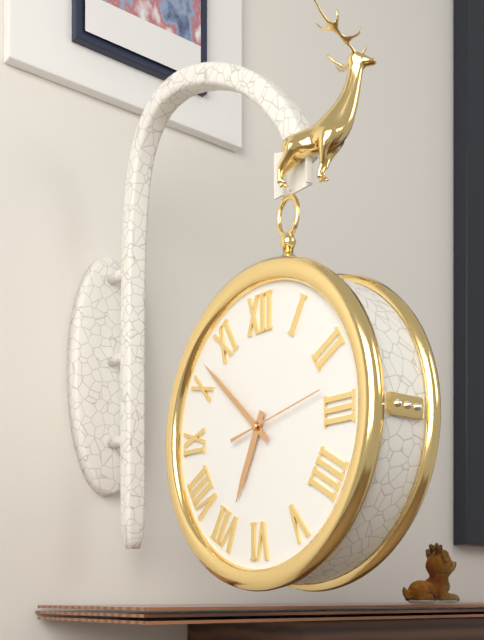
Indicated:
h=6 m=52 s=13
